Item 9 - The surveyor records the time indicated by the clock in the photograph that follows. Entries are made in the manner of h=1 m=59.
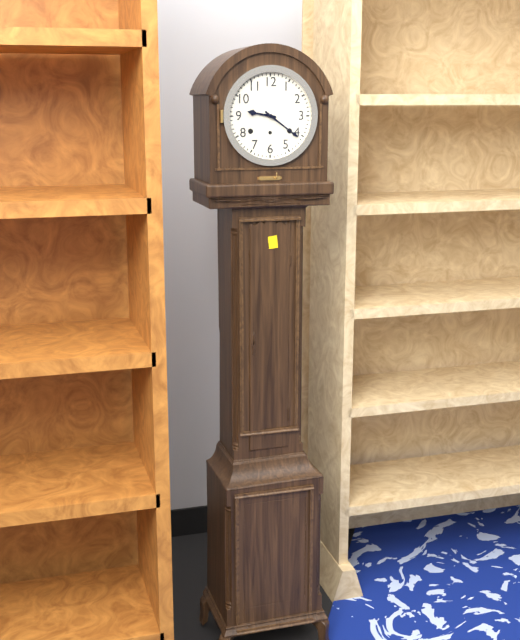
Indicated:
h=9 m=21
